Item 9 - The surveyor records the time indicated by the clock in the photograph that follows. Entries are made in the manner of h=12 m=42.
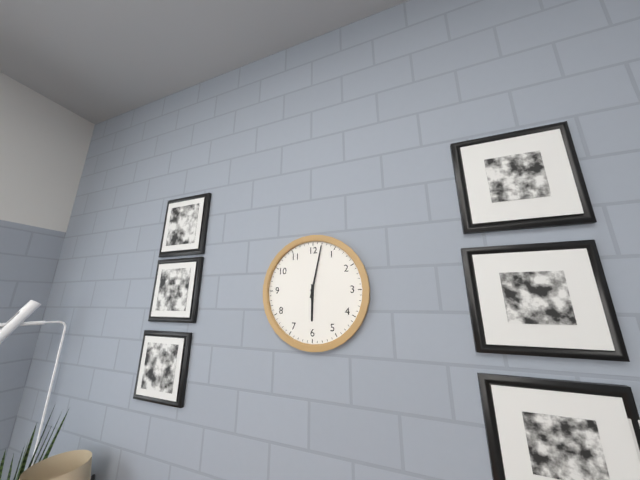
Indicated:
h=6 m=2
